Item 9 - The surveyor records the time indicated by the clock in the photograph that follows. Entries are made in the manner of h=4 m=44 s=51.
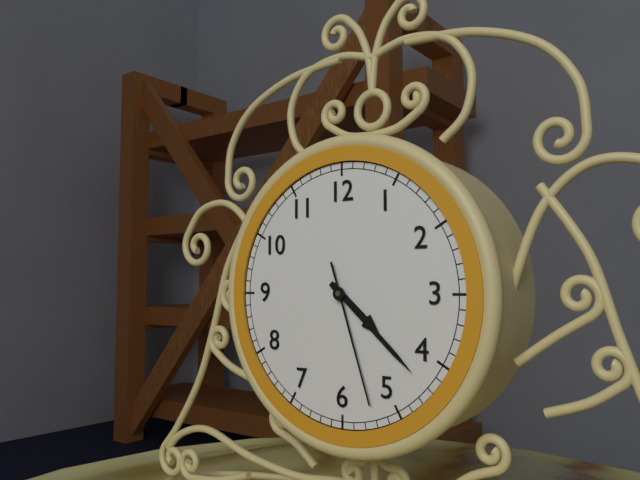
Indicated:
h=4 m=22 s=27
